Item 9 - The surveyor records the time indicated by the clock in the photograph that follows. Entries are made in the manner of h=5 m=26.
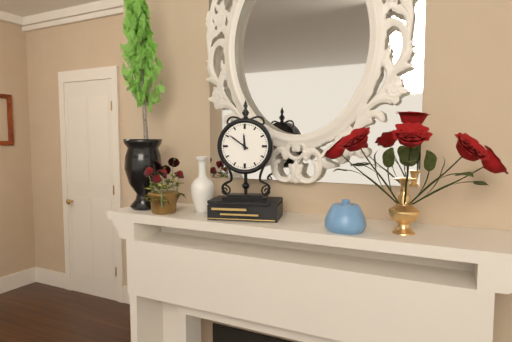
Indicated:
h=11 m=51
